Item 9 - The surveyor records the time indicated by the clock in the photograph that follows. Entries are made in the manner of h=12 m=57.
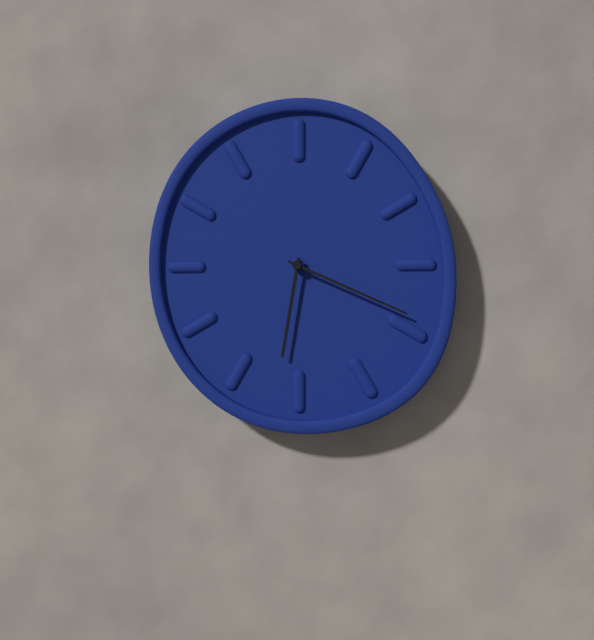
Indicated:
h=6 m=19
